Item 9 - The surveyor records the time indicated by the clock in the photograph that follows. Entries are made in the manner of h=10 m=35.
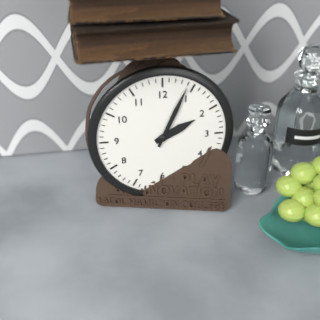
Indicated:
h=2 m=4
